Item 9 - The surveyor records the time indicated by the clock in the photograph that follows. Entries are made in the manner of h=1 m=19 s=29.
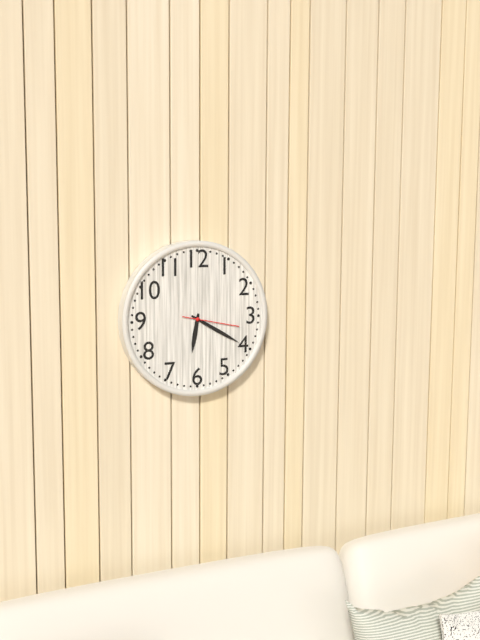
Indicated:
h=6 m=20 s=17
